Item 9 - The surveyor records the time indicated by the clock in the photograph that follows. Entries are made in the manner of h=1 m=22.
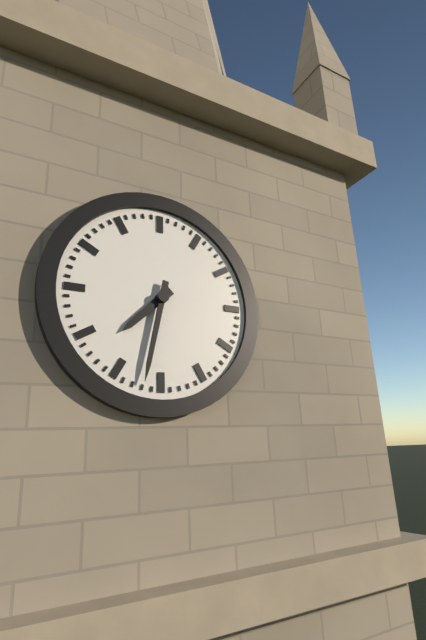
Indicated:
h=7 m=32
